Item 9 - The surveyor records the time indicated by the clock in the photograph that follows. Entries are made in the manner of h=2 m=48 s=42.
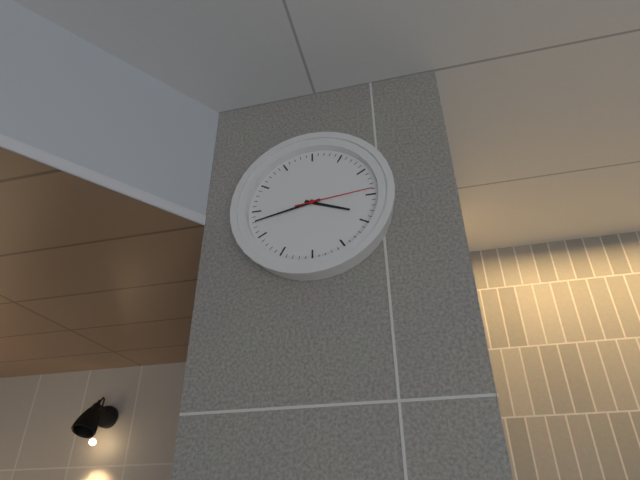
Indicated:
h=3 m=43 s=14
